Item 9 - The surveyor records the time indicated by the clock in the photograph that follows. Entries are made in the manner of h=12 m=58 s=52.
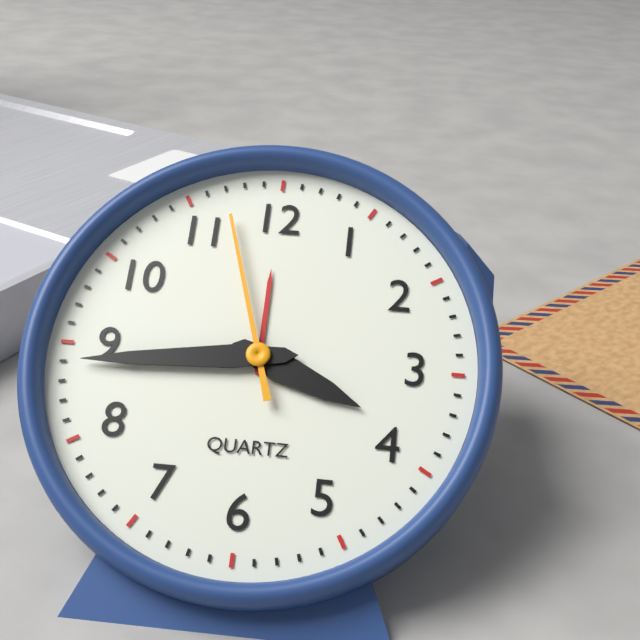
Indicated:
h=3 m=44 s=57
